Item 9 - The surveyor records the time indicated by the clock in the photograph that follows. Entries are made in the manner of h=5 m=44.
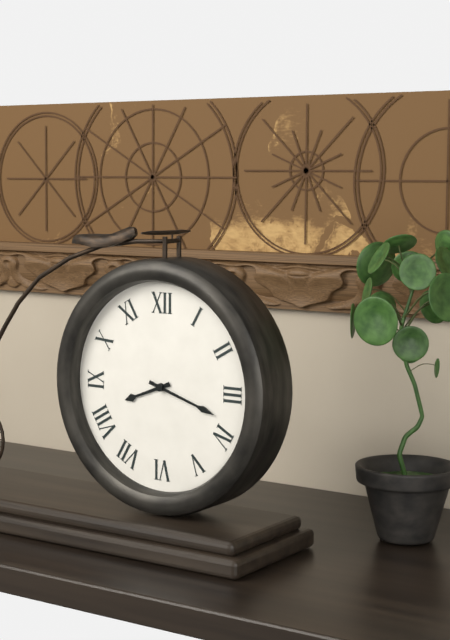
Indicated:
h=8 m=18
